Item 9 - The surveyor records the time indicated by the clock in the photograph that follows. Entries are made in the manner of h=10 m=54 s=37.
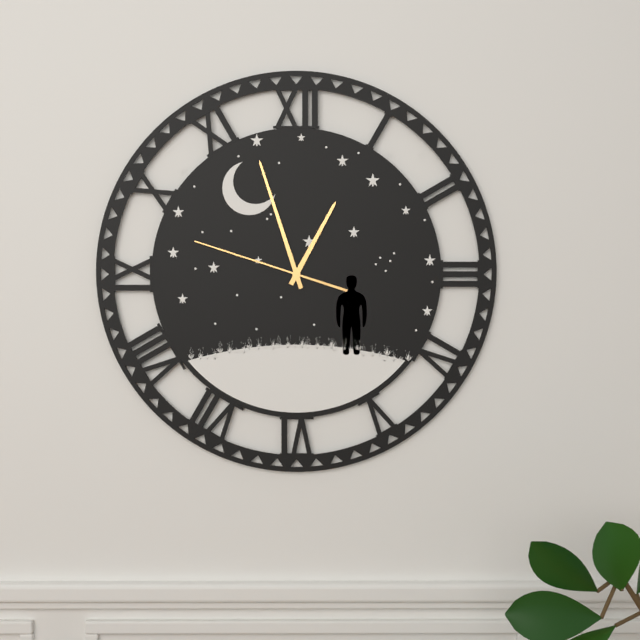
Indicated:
h=12 m=57 s=48
